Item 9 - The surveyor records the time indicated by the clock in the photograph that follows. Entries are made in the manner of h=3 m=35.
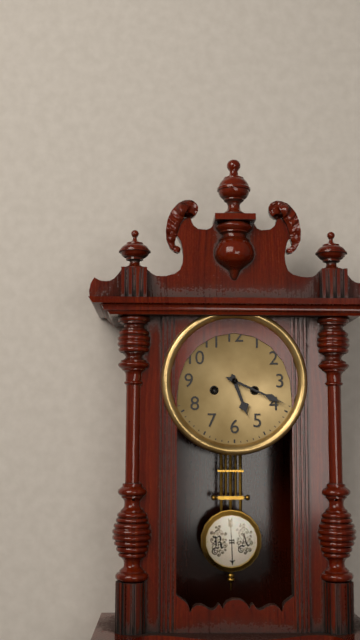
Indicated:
h=5 m=19
